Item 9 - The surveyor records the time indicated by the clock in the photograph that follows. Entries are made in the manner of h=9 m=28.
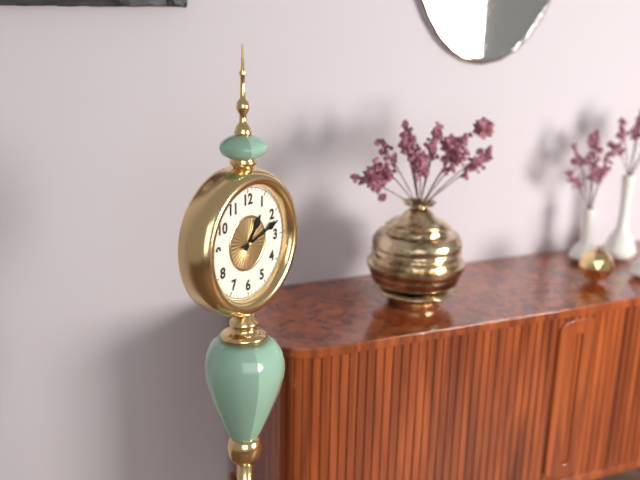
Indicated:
h=1 m=12
